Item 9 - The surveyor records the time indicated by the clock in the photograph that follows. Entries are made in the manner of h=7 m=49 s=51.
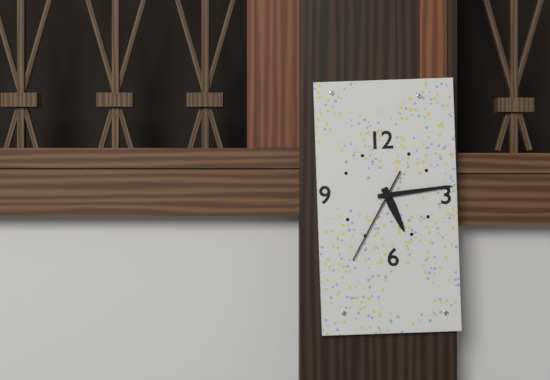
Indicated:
h=5 m=14 s=35
